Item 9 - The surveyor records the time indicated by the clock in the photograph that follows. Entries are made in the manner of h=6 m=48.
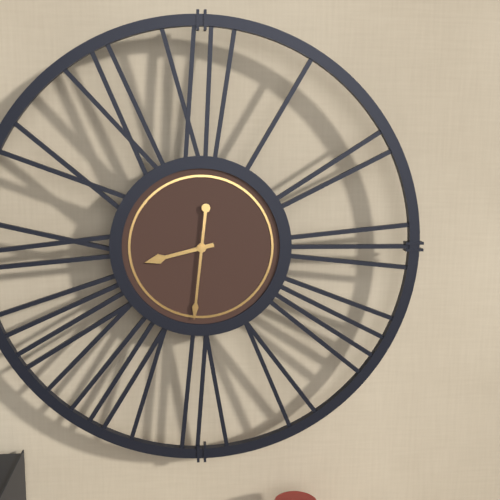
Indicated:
h=8 m=31
